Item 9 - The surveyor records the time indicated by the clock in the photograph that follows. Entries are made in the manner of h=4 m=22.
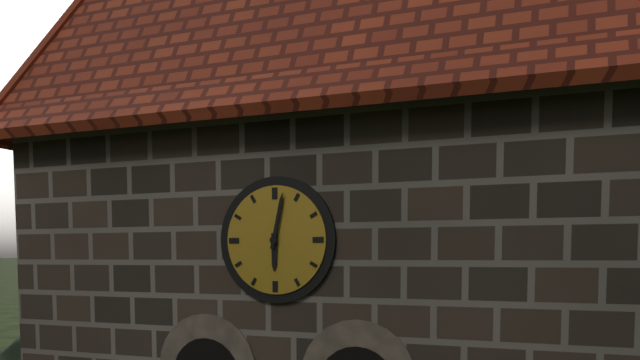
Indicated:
h=6 m=2
